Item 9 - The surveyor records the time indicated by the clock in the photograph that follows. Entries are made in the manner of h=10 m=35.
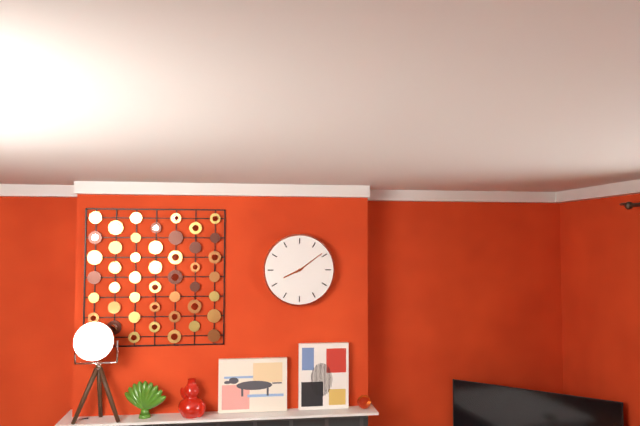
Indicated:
h=8 m=9
